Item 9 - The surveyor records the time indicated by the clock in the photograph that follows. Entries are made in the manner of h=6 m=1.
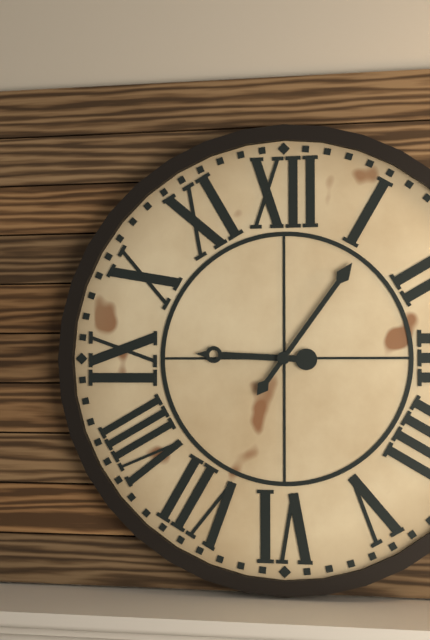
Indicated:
h=9 m=6
